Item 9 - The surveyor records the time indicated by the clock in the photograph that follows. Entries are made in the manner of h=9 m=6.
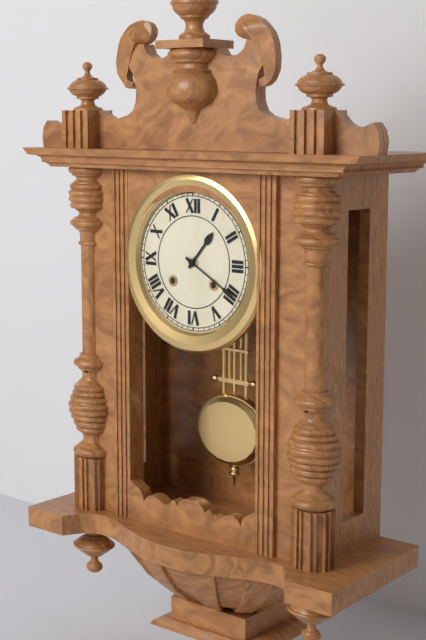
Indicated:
h=1 m=20
